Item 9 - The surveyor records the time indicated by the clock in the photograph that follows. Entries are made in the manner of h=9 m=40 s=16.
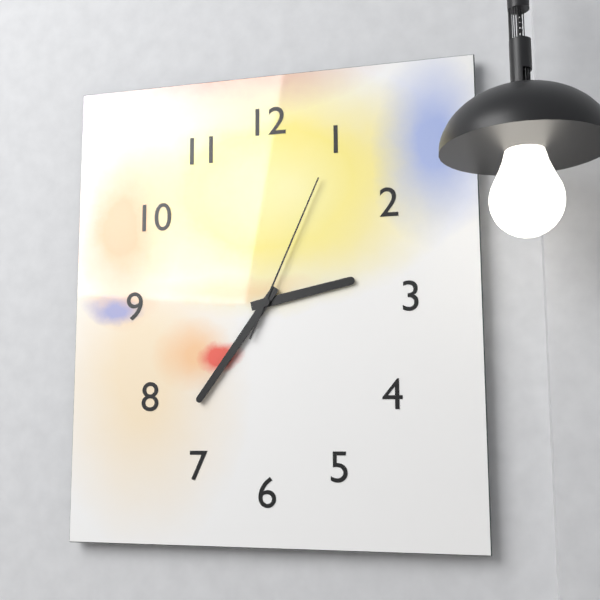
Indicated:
h=2 m=36 s=4
